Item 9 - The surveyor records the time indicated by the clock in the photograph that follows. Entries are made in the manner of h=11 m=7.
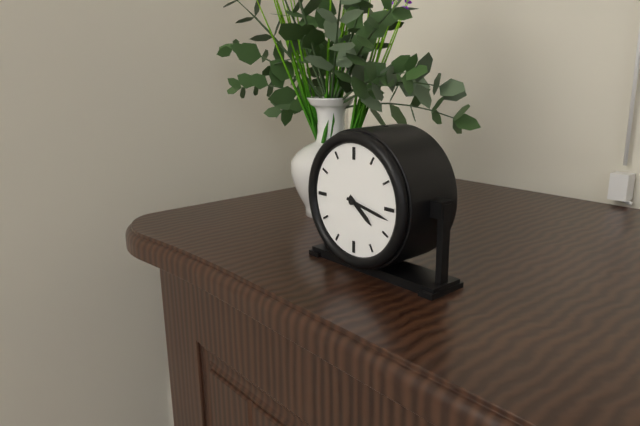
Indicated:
h=4 m=17
